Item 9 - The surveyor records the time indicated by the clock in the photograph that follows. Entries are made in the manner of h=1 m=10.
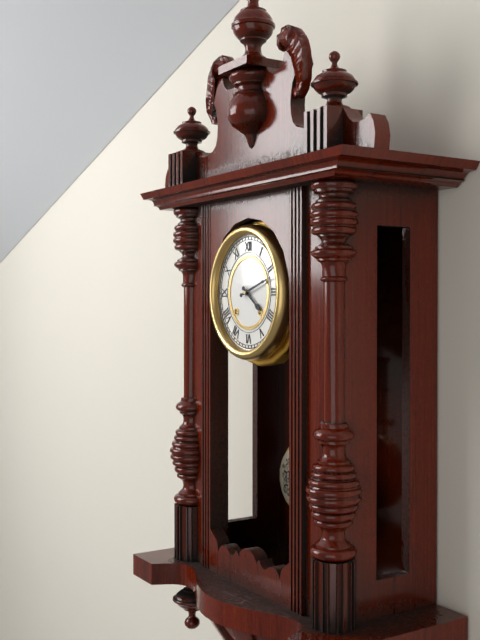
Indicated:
h=4 m=12
